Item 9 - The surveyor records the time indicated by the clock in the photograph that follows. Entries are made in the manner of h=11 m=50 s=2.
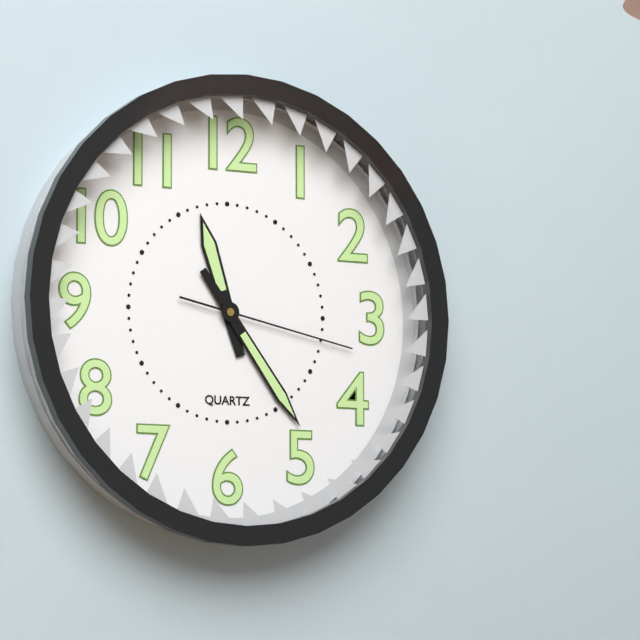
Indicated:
h=11 m=24 s=17
